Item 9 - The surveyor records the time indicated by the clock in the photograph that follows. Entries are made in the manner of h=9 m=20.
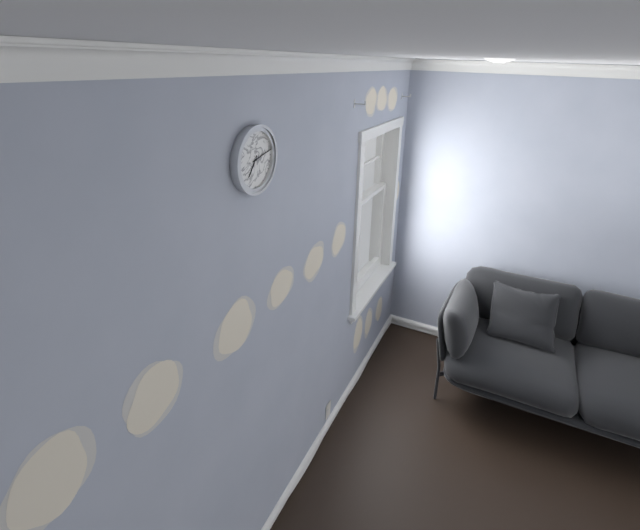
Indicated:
h=7 m=13
